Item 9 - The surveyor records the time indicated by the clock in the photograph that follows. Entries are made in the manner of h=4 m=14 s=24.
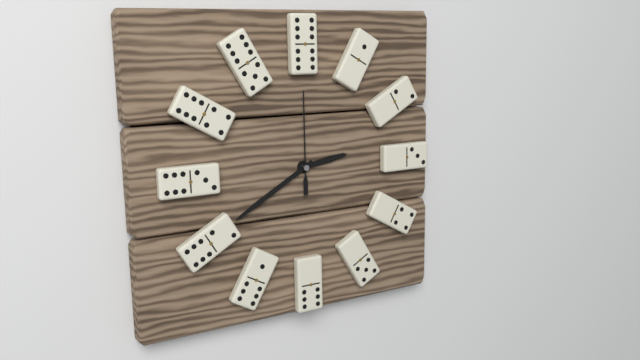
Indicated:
h=2 m=40 s=0
